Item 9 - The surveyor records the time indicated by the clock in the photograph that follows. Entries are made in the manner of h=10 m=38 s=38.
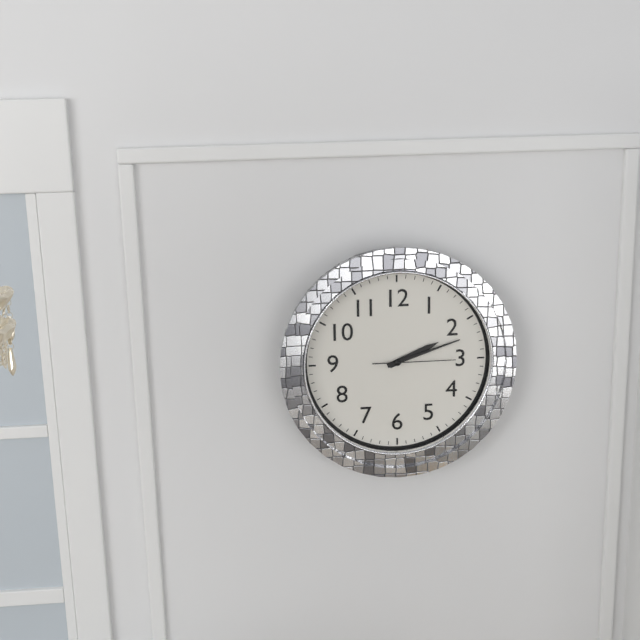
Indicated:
h=2 m=12 s=15
